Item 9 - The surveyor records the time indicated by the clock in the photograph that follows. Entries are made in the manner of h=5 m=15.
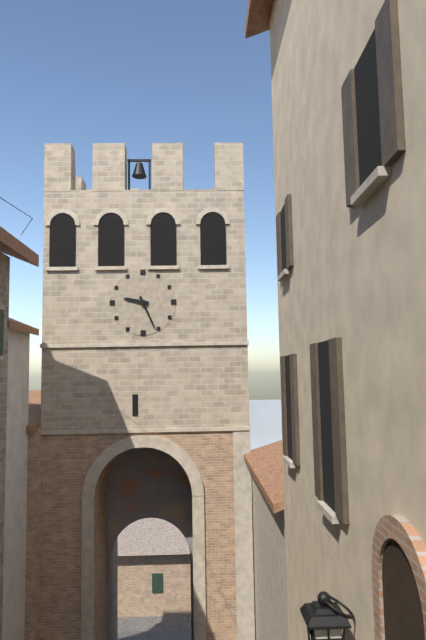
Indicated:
h=9 m=26
